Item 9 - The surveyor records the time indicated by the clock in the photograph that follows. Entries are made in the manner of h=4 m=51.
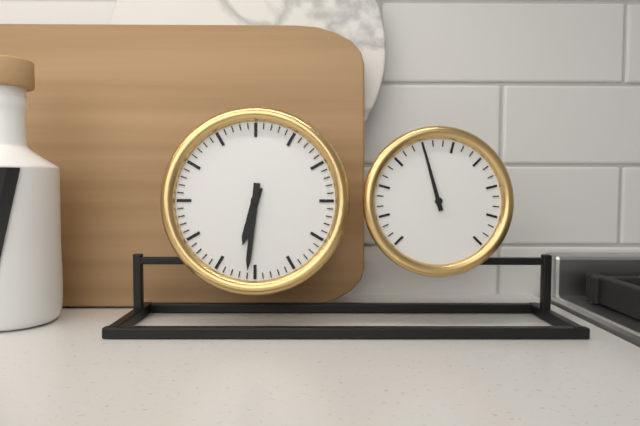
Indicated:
h=6 m=31
